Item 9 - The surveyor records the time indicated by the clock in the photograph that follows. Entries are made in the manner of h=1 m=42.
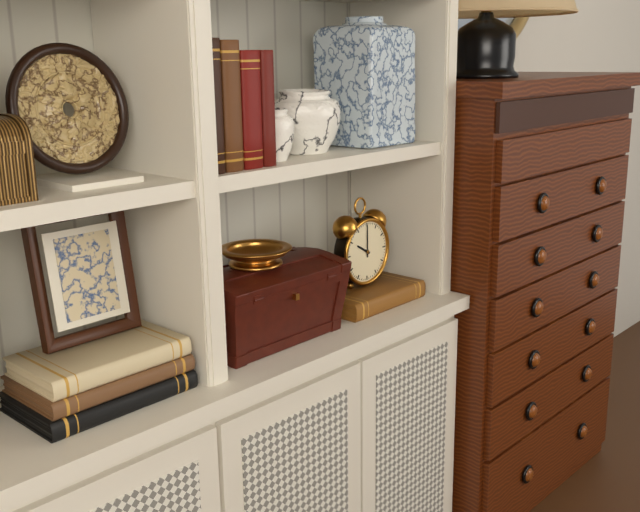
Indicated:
h=10 m=0
